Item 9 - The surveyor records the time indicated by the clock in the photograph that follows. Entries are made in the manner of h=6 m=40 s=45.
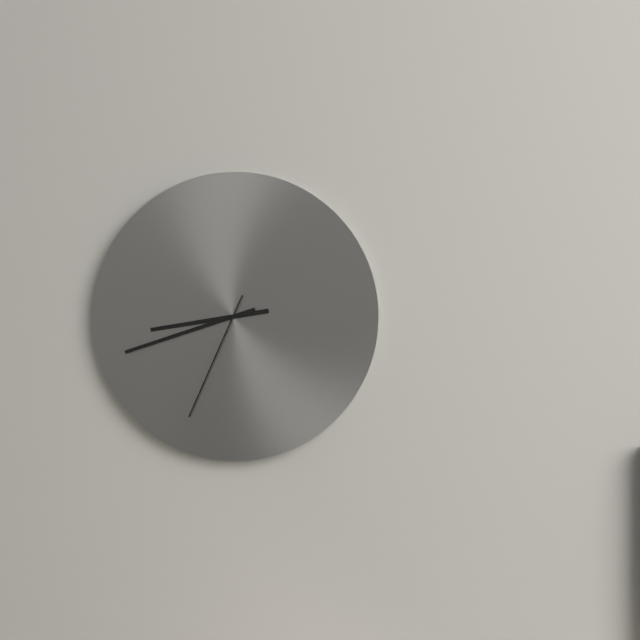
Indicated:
h=8 m=42 s=34
